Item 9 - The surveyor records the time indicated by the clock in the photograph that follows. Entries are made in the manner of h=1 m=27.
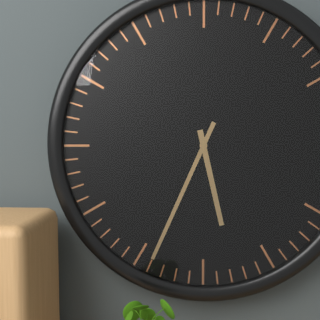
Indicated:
h=5 m=34
